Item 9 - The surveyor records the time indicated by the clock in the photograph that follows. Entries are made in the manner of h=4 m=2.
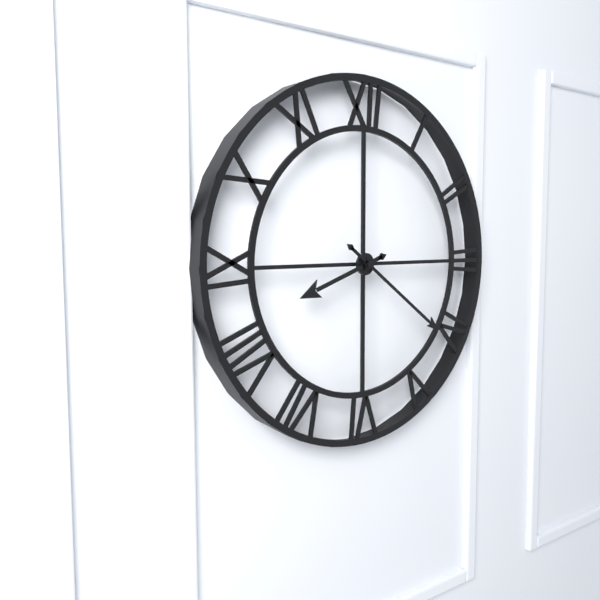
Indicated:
h=8 m=21
